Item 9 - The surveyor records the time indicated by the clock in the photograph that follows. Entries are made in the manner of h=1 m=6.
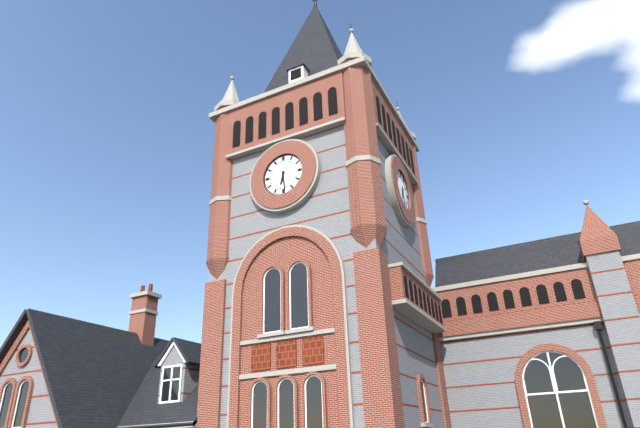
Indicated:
h=6 m=29
